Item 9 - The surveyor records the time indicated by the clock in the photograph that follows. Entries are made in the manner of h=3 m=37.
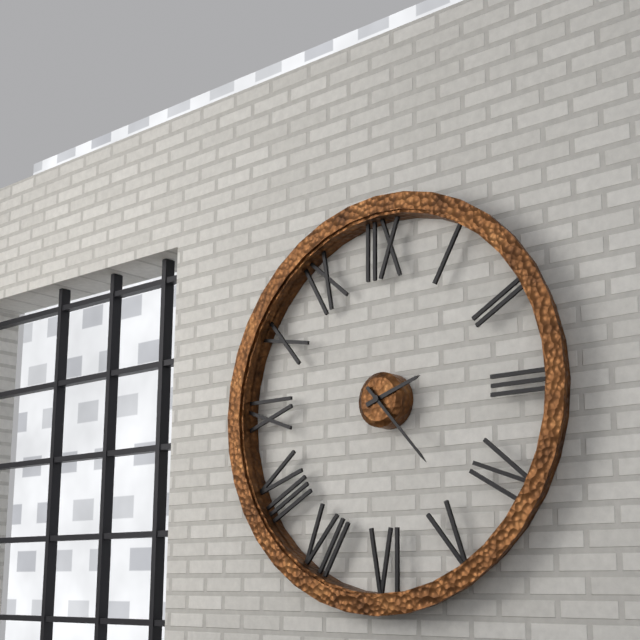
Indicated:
h=2 m=23
